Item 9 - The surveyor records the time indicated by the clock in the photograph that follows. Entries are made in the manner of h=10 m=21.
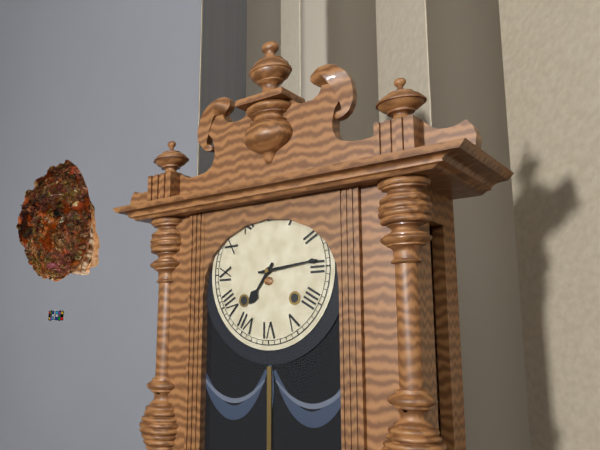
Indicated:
h=7 m=14
